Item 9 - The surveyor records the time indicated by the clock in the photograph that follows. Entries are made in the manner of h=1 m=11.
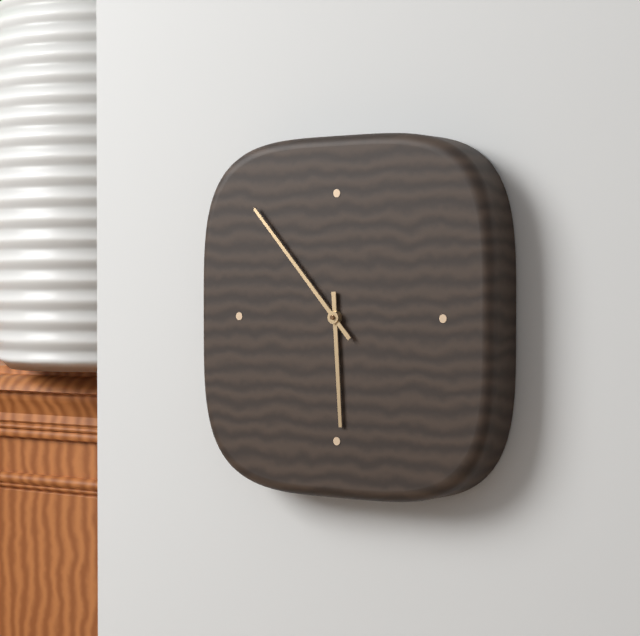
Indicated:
h=5 m=53
